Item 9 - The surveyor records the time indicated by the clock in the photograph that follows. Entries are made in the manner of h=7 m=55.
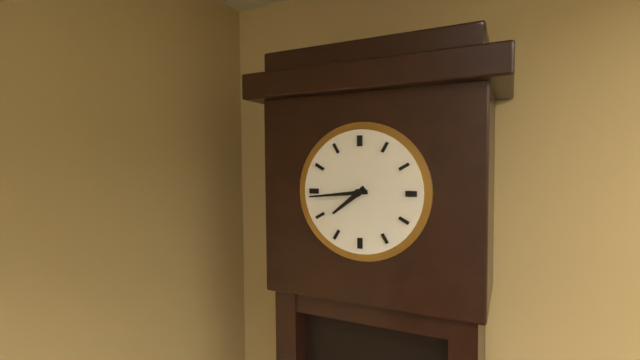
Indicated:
h=7 m=44
